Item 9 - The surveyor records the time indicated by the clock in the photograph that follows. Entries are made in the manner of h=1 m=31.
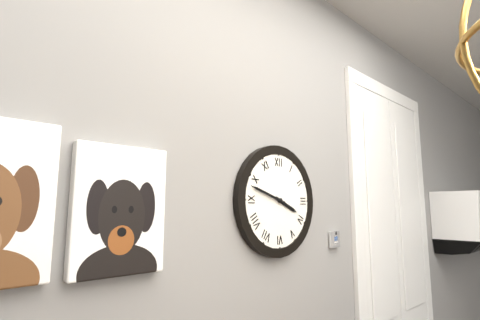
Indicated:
h=3 m=48
